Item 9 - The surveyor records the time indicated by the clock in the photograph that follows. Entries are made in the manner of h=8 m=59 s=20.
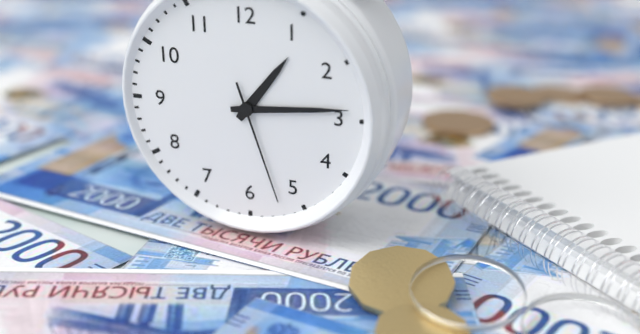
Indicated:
h=1 m=14 s=27
